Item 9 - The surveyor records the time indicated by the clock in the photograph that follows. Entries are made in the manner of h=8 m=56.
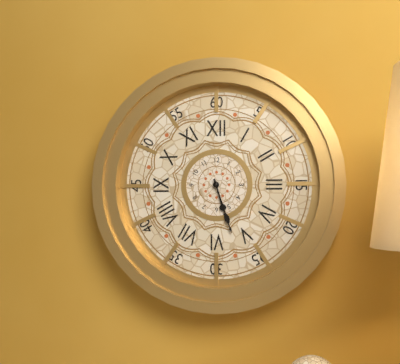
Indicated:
h=5 m=27
